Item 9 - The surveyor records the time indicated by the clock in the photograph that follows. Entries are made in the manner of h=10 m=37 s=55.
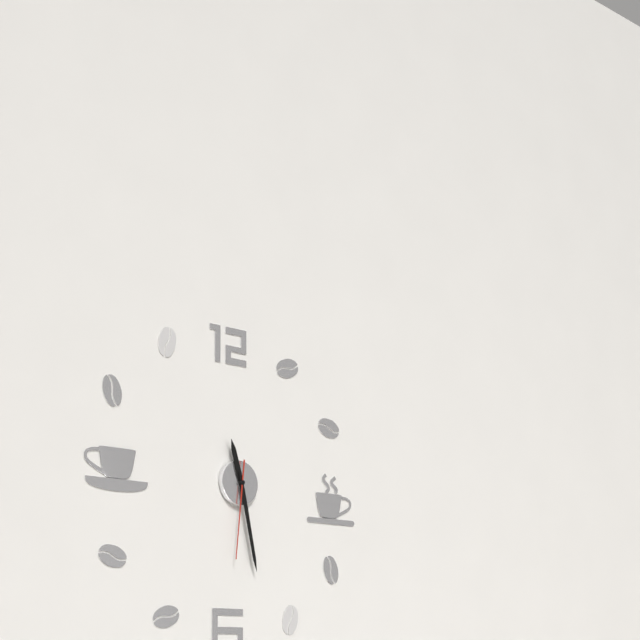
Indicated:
h=11 m=28 s=31
